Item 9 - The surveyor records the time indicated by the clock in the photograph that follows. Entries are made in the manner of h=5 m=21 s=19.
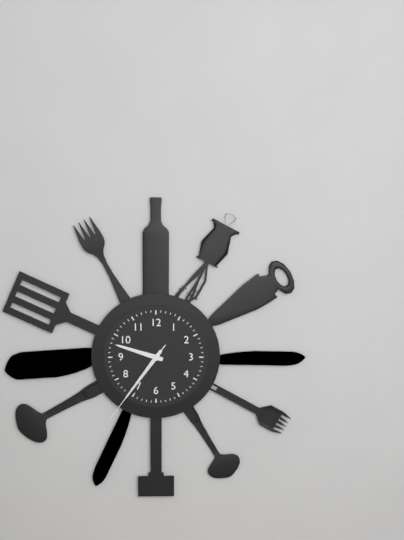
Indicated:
h=9 m=36 s=36
